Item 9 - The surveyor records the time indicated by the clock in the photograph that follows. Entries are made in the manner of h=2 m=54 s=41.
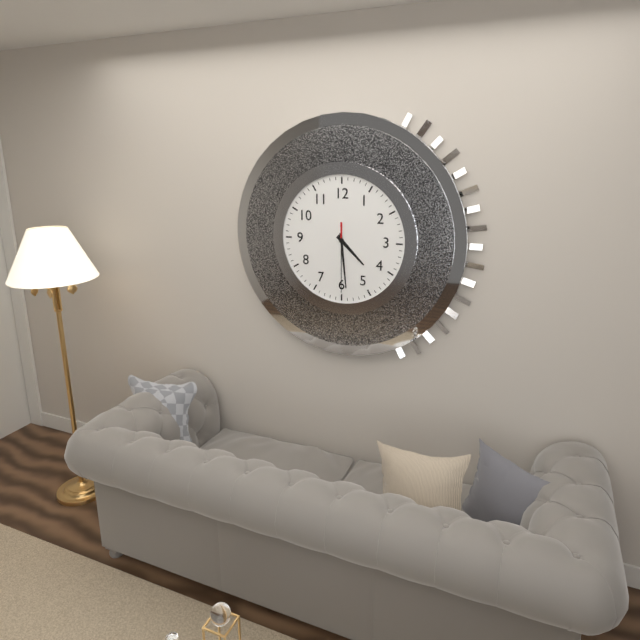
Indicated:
h=4 m=29 s=30
